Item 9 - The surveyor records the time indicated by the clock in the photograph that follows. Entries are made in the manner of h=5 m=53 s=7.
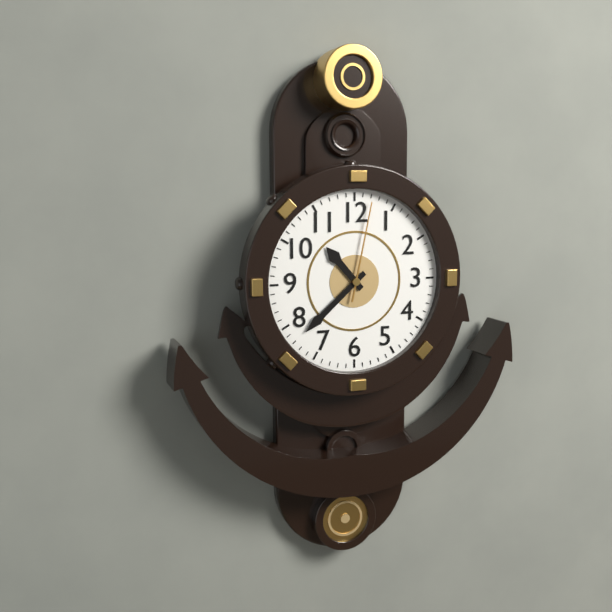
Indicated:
h=10 m=38 s=2
